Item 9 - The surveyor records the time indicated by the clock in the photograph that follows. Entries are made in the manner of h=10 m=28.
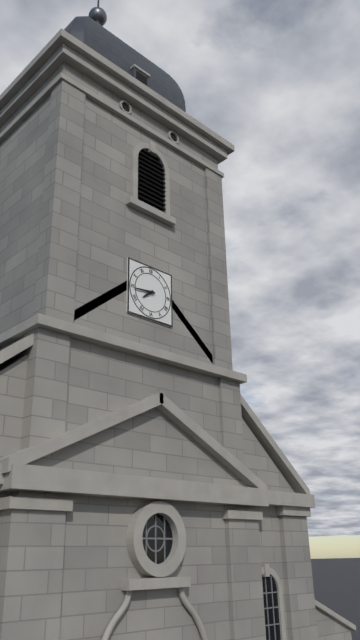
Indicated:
h=7 m=44
